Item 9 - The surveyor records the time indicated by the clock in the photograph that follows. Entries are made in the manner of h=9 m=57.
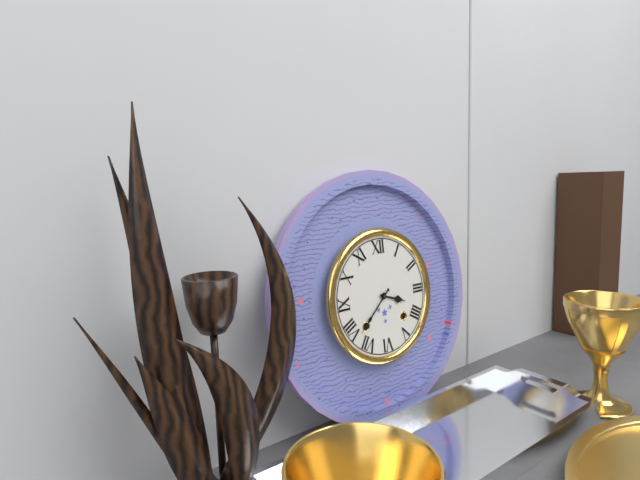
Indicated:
h=3 m=38
